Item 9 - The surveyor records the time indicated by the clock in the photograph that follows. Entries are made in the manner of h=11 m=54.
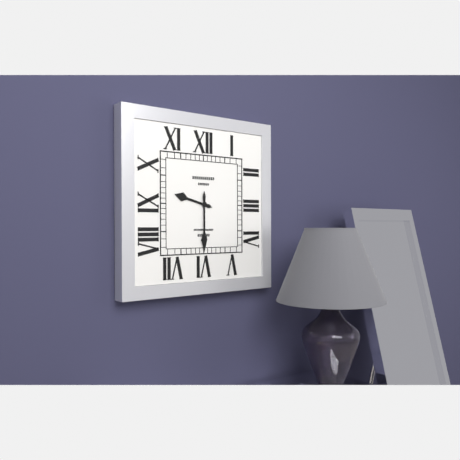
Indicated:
h=9 m=30
